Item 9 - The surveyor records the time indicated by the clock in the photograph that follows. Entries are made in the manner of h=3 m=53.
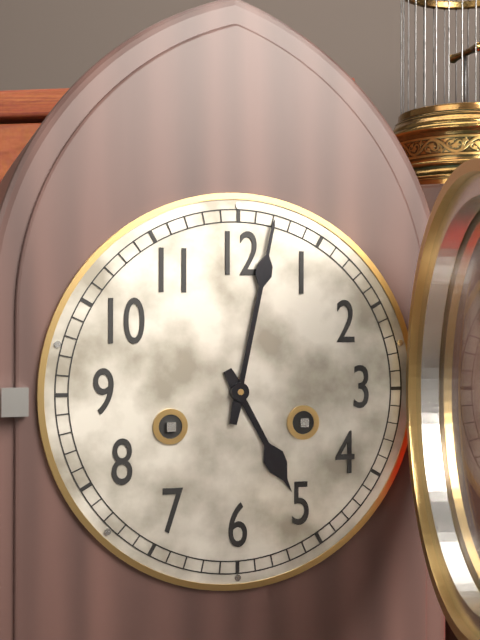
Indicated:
h=5 m=2
